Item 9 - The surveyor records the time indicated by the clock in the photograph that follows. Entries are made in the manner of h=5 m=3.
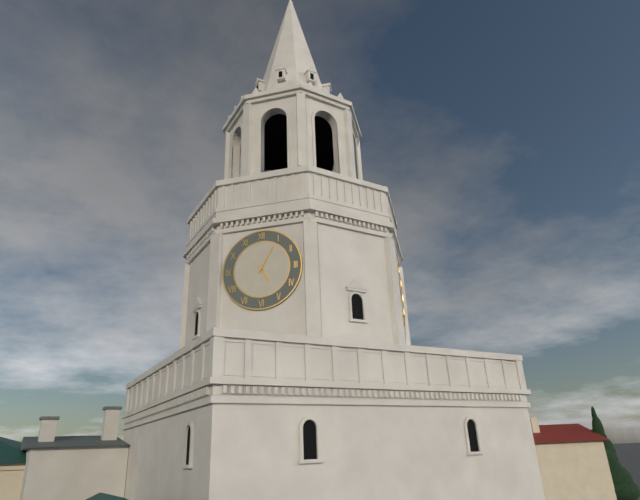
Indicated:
h=5 m=5
